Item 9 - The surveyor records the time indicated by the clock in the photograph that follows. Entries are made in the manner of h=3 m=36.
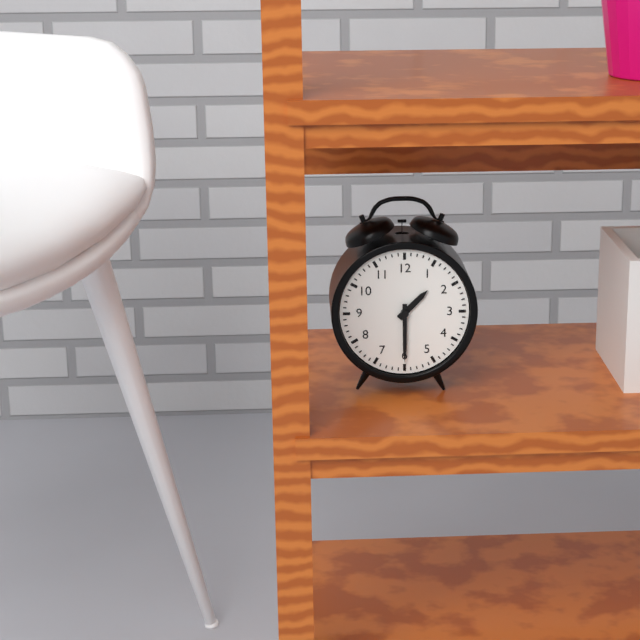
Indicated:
h=1 m=30
